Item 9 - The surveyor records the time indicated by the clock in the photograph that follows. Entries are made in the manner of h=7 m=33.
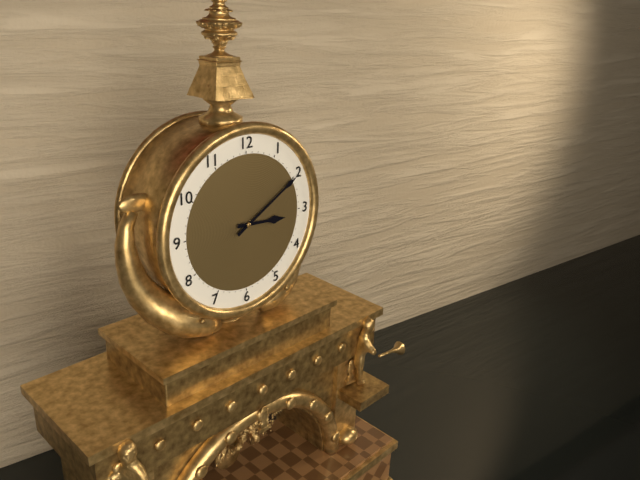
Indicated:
h=3 m=10
